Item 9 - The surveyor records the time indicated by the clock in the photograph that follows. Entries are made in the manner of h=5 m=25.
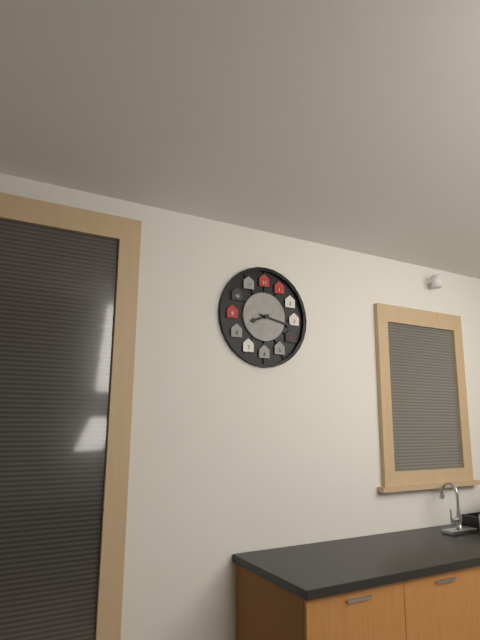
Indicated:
h=8 m=17
